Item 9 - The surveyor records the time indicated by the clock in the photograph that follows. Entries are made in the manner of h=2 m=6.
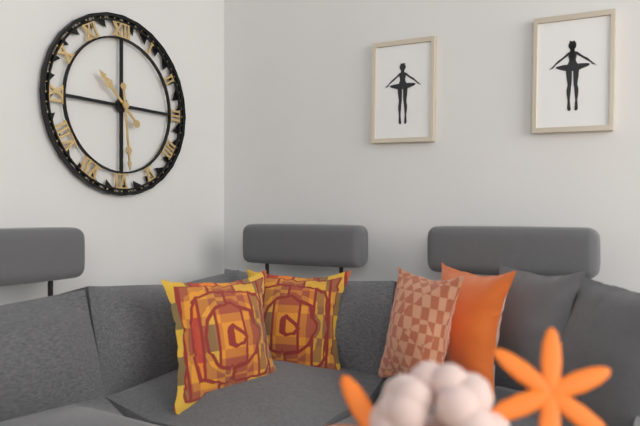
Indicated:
h=10 m=29
